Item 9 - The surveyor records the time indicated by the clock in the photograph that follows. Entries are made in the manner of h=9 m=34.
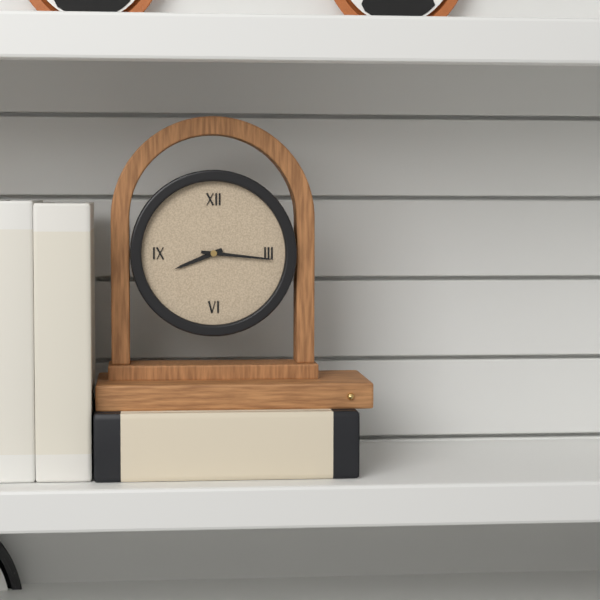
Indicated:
h=8 m=16
